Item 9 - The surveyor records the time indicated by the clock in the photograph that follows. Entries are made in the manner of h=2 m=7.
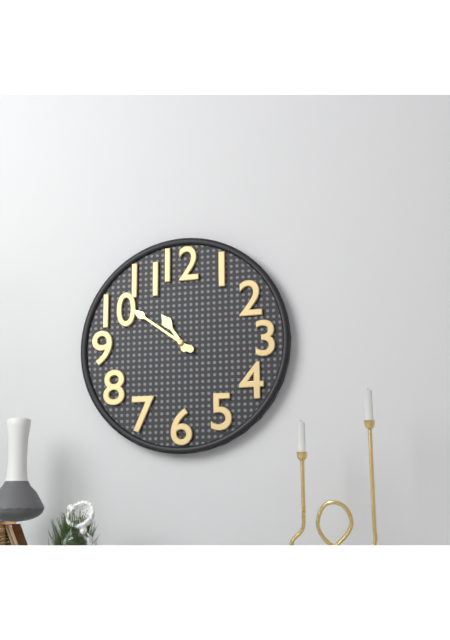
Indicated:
h=10 m=51
